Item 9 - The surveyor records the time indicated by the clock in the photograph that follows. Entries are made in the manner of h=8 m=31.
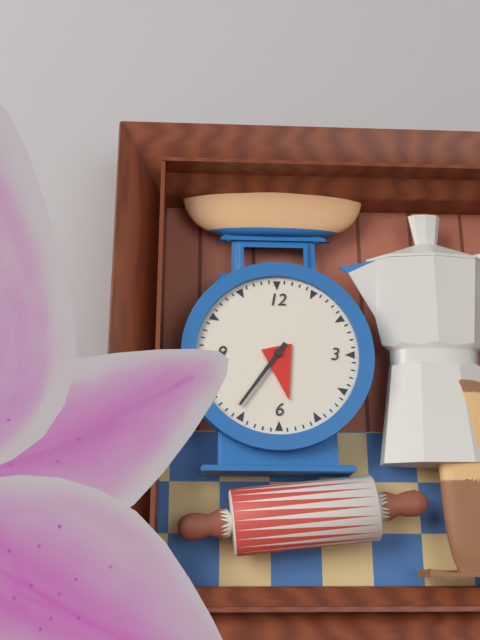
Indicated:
h=5 m=36
